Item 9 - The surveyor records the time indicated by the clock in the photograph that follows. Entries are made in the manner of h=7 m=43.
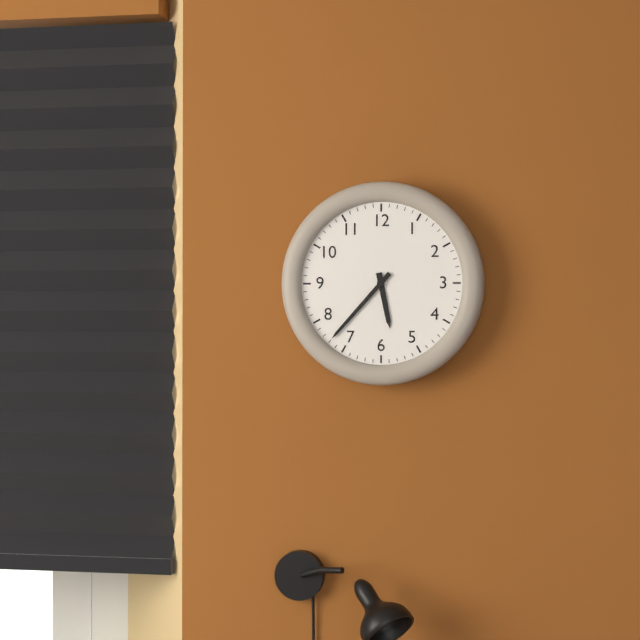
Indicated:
h=5 m=37
